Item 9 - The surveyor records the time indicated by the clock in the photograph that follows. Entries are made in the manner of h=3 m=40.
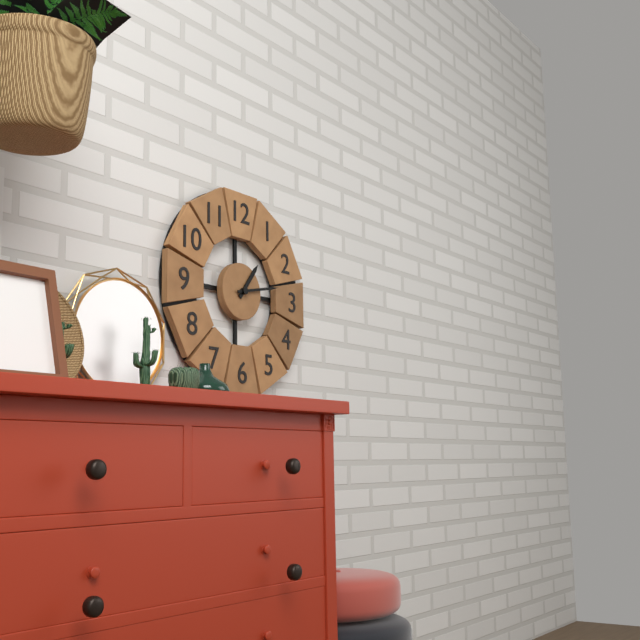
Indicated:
h=1 m=13
